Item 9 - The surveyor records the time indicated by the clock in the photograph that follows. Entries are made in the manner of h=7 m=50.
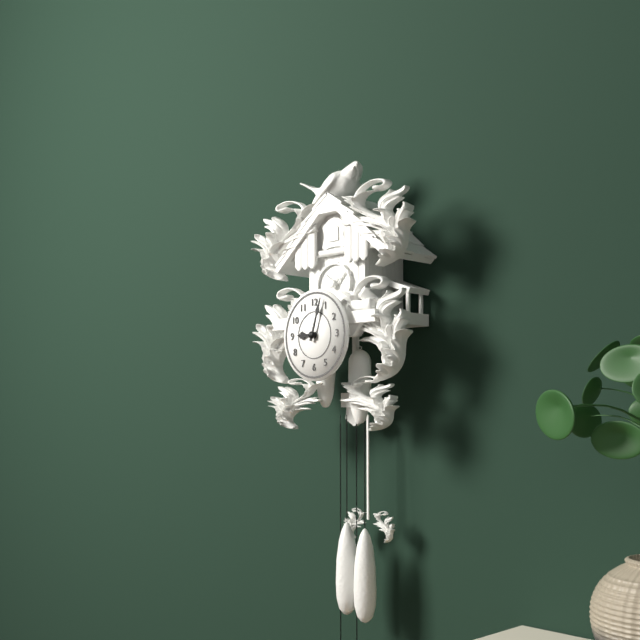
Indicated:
h=9 m=3
